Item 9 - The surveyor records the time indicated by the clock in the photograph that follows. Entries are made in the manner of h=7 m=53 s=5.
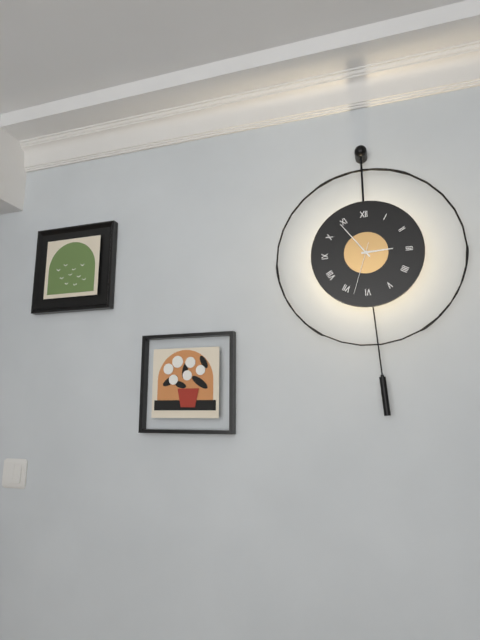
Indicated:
h=2 m=54 s=33
